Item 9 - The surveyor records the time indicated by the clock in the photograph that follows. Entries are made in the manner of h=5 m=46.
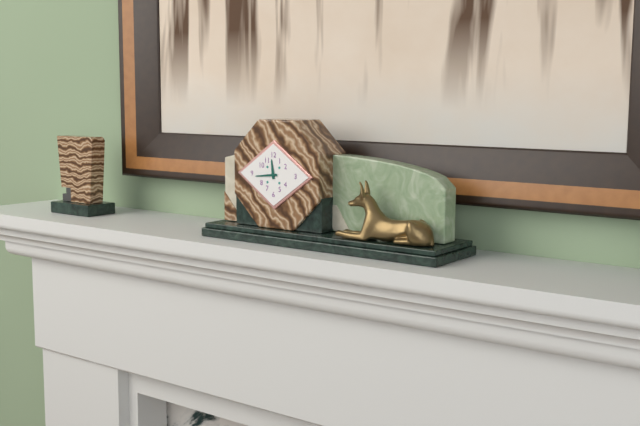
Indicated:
h=11 m=44
